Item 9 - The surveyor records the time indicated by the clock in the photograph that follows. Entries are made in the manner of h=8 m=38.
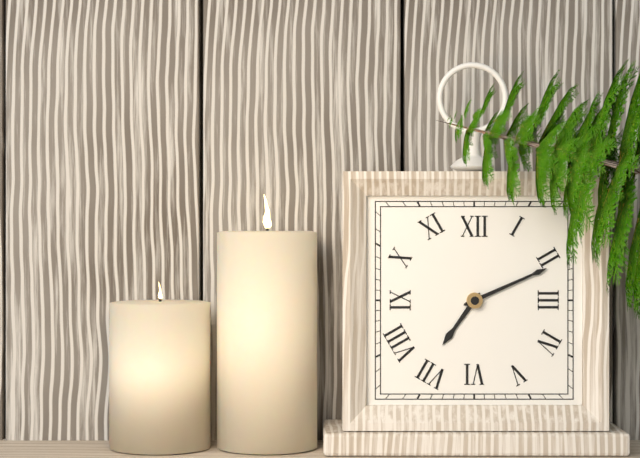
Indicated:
h=7 m=11
